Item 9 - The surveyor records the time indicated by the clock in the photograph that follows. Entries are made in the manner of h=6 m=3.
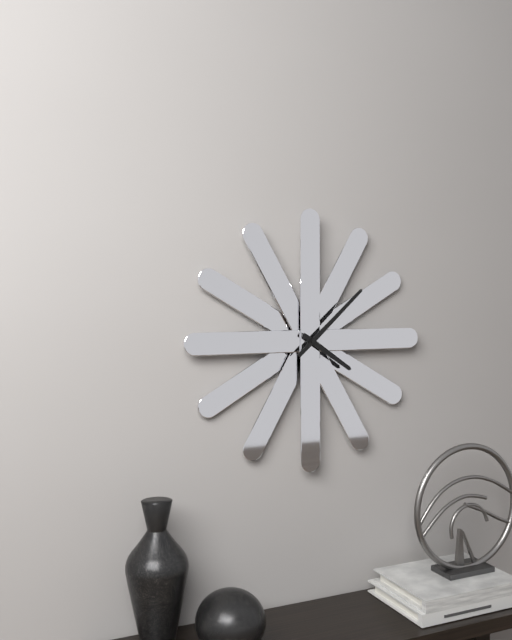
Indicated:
h=4 m=8
